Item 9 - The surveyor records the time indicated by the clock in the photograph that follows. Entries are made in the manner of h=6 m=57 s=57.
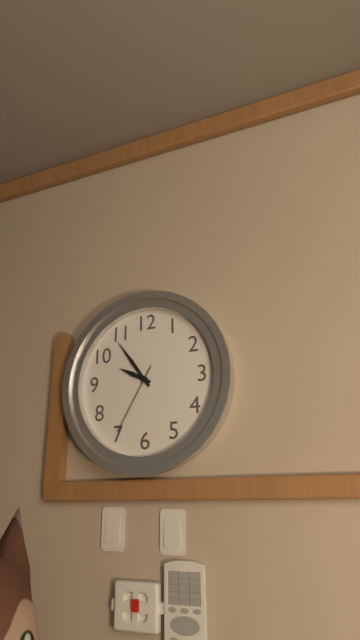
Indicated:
h=9 m=54 s=35
